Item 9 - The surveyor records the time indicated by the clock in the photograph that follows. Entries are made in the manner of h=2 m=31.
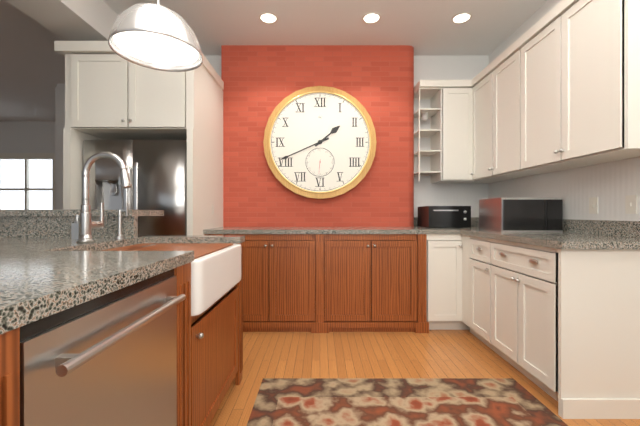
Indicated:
h=1 m=41
